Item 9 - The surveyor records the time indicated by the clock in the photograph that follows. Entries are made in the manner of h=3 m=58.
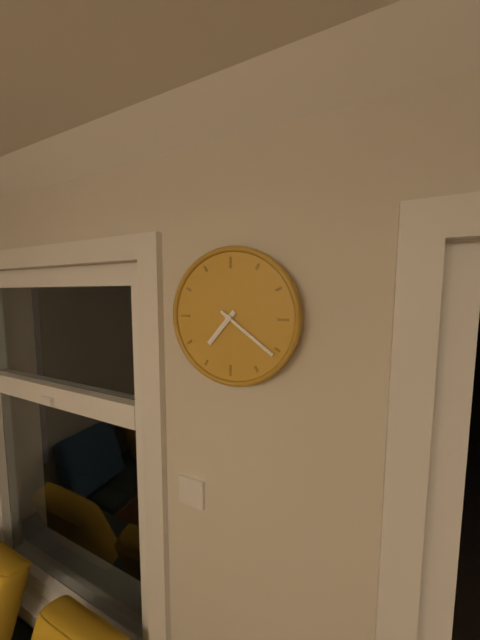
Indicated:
h=7 m=21
